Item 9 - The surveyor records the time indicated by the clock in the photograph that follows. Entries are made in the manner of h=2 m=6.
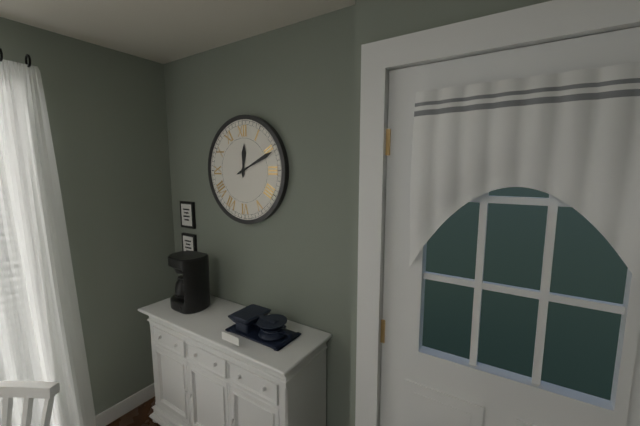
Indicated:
h=12 m=11
